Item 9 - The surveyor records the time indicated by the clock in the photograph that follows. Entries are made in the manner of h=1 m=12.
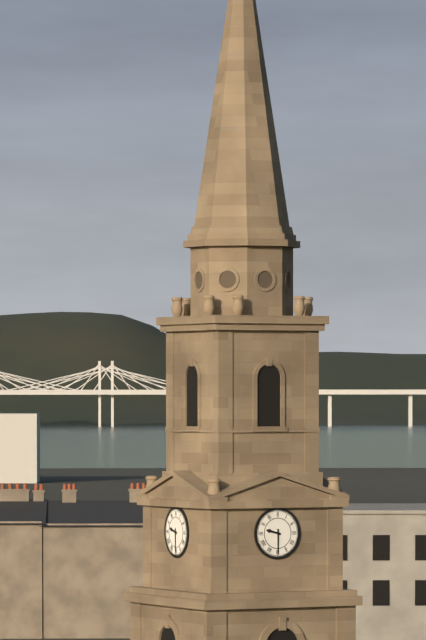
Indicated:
h=9 m=30
